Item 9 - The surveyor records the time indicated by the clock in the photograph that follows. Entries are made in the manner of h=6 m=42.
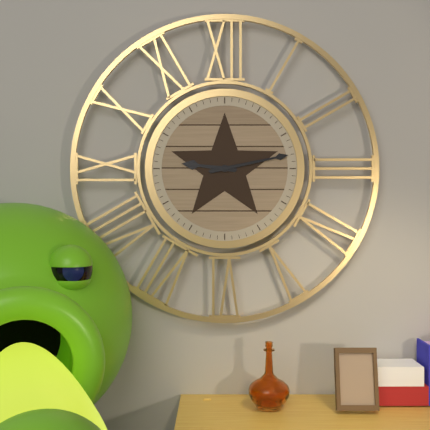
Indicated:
h=9 m=13
